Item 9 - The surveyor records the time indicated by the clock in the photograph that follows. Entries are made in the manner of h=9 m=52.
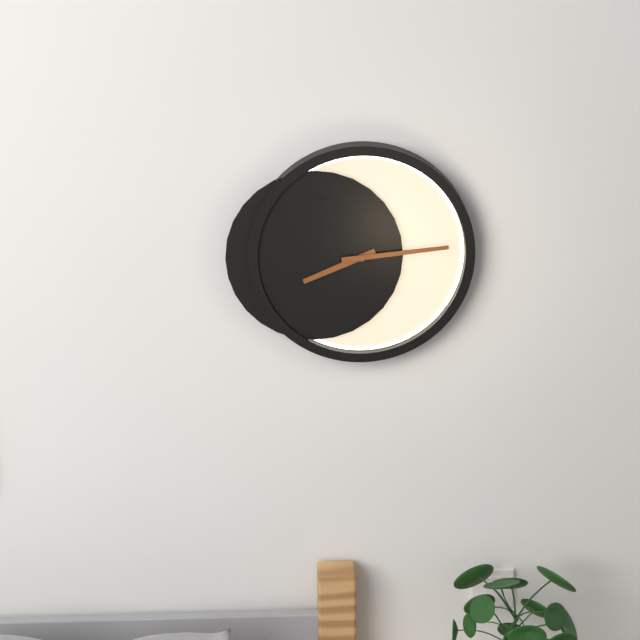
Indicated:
h=8 m=14
